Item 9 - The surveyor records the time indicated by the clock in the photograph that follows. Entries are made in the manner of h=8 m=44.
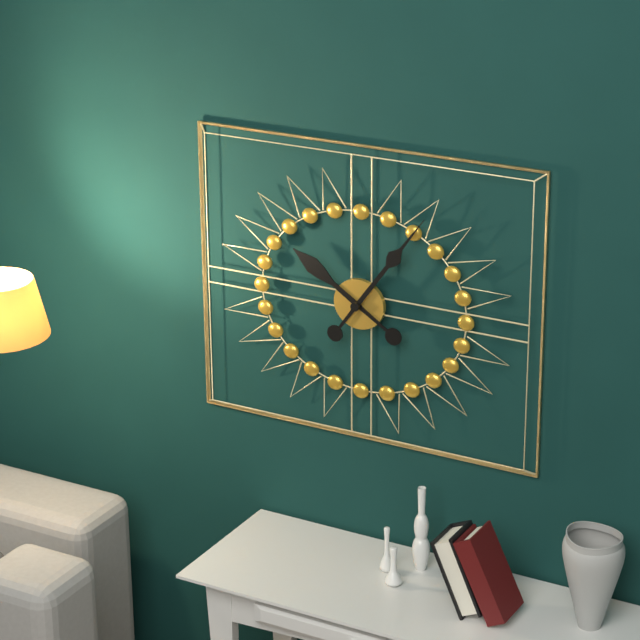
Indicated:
h=10 m=6
